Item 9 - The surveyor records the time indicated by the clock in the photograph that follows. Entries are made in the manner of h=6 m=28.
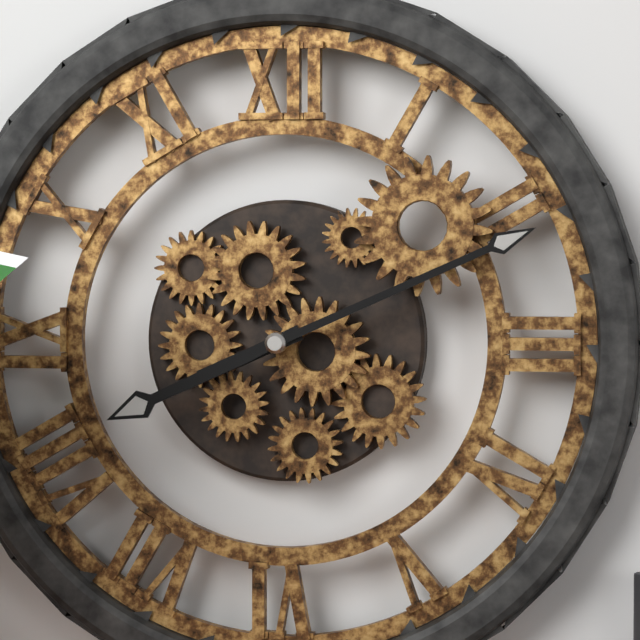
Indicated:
h=8 m=11
